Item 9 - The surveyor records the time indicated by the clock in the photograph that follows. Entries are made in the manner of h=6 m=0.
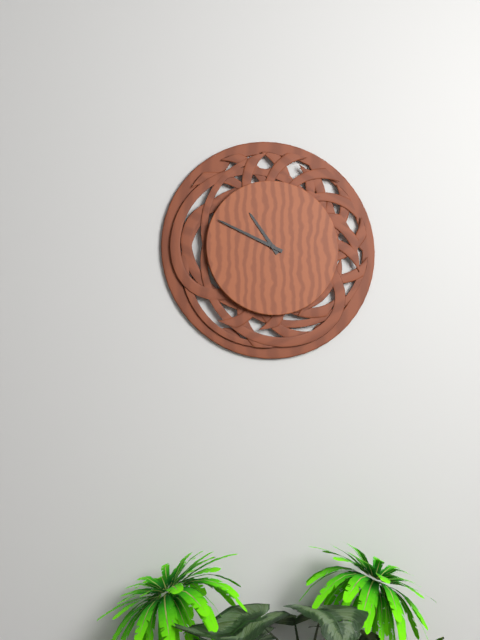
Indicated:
h=10 m=49
